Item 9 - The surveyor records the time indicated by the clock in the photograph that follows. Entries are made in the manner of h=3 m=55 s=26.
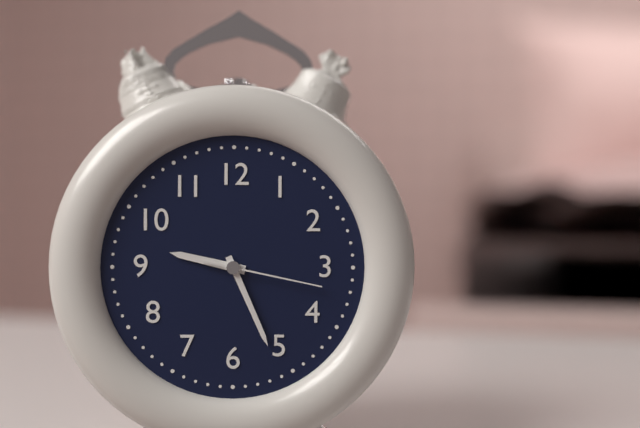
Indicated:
h=9 m=26 s=17
